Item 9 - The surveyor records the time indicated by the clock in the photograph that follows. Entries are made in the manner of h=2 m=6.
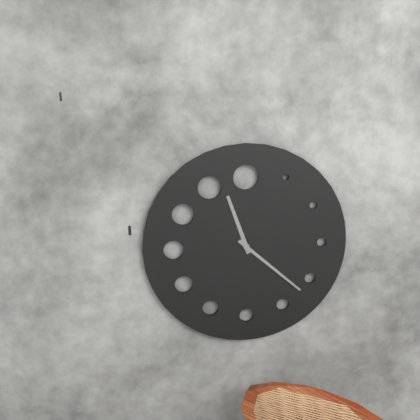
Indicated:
h=11 m=22
